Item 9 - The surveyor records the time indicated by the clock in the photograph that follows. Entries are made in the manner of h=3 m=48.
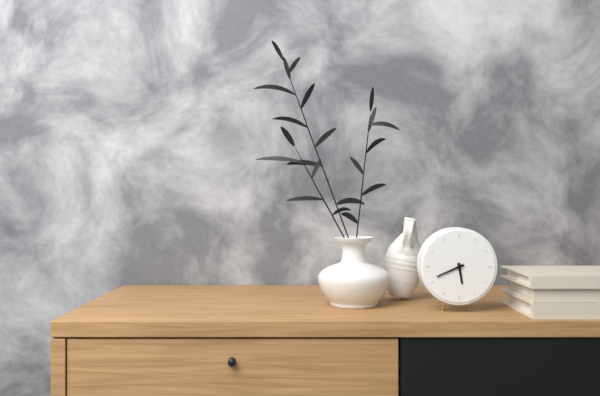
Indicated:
h=5 m=41
